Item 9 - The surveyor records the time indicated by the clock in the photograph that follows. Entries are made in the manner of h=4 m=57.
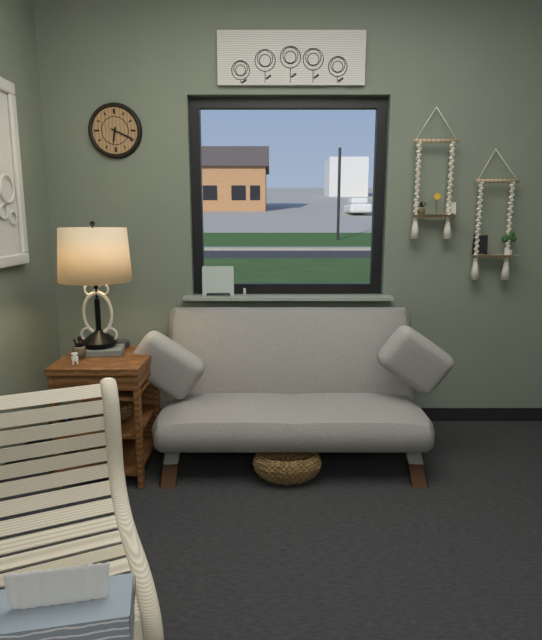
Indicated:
h=6 m=19
